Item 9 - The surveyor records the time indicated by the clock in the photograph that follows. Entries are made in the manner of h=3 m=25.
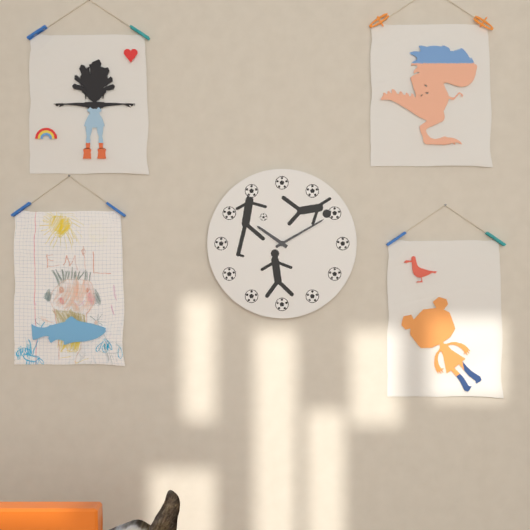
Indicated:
h=10 m=10
